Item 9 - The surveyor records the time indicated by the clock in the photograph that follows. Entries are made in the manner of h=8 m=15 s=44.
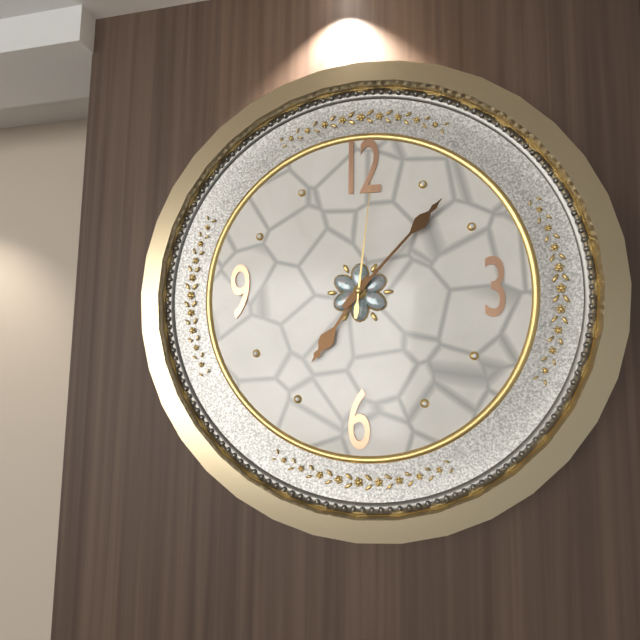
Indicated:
h=7 m=7 s=1
